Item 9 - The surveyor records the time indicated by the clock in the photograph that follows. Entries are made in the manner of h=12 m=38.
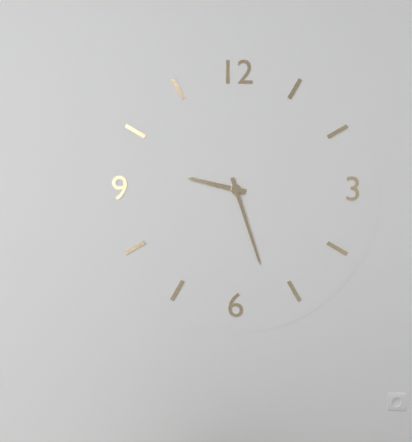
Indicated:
h=9 m=27
